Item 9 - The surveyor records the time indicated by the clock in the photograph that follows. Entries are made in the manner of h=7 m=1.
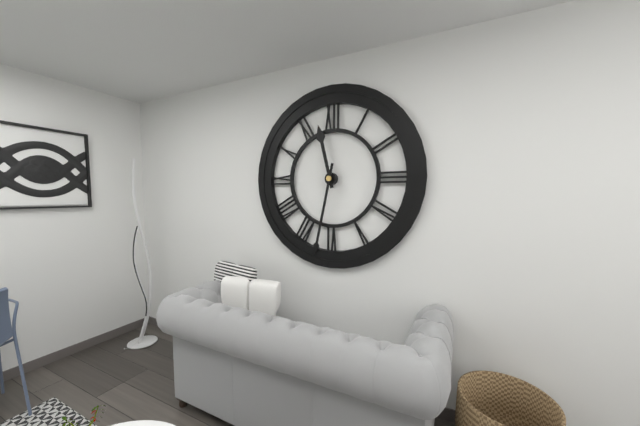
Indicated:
h=11 m=32
